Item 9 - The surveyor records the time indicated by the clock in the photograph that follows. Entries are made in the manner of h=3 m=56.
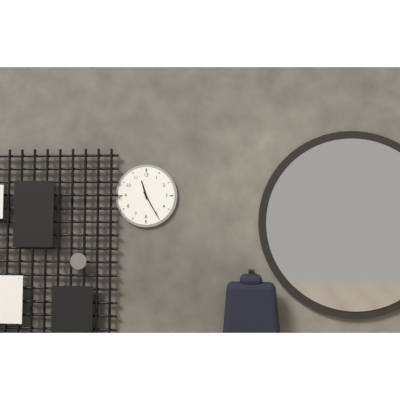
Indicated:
h=11 m=25
